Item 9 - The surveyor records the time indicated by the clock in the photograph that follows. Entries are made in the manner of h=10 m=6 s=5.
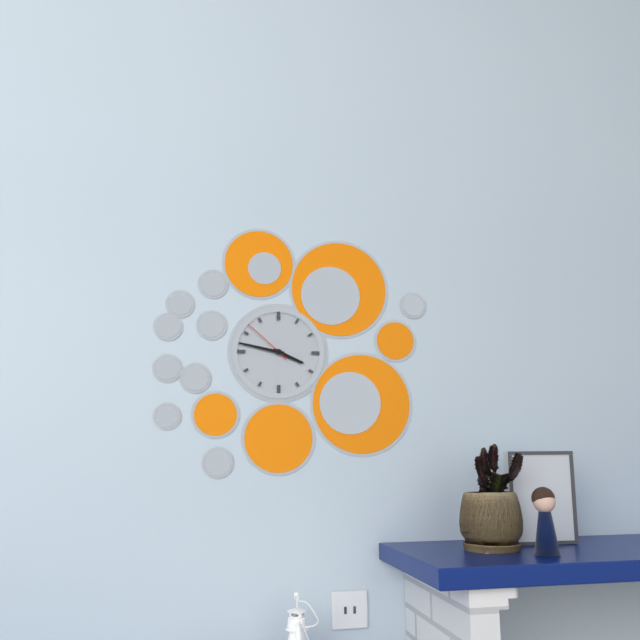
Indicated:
h=3 m=47 s=52
